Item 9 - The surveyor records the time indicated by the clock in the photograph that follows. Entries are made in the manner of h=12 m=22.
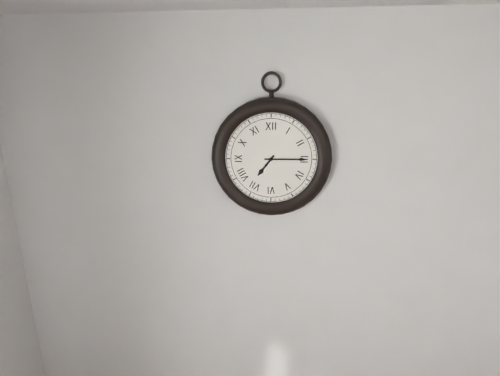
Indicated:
h=7 m=15
